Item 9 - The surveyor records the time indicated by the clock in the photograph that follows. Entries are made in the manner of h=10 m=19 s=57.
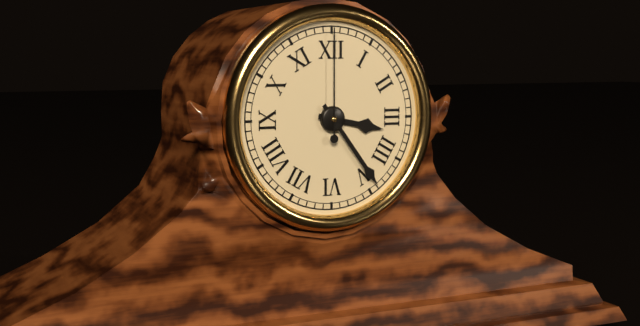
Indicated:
h=3 m=24 s=0
